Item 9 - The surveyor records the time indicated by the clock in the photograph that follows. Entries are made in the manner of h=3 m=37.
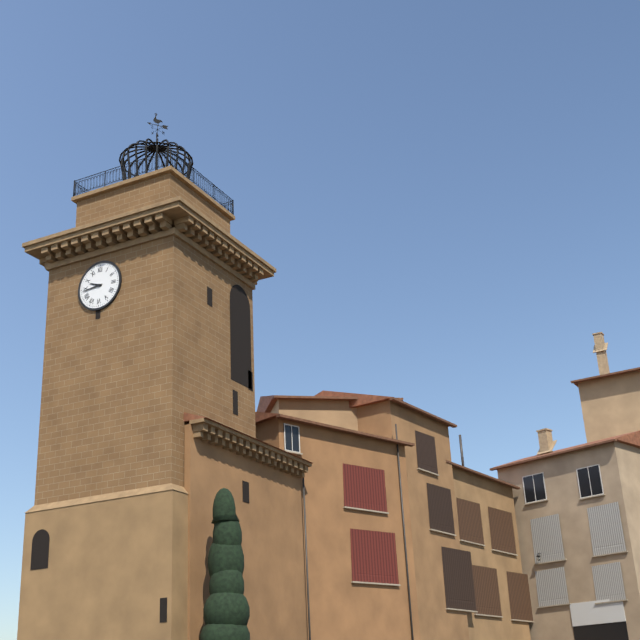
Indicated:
h=9 m=44
